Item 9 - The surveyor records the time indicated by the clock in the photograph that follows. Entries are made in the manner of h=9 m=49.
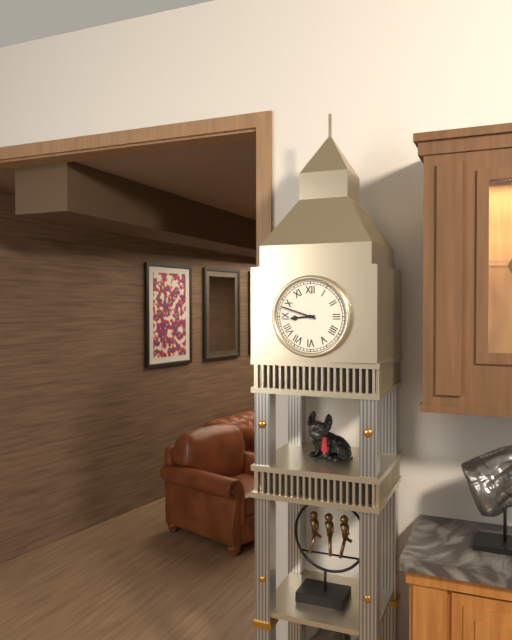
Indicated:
h=8 m=48
